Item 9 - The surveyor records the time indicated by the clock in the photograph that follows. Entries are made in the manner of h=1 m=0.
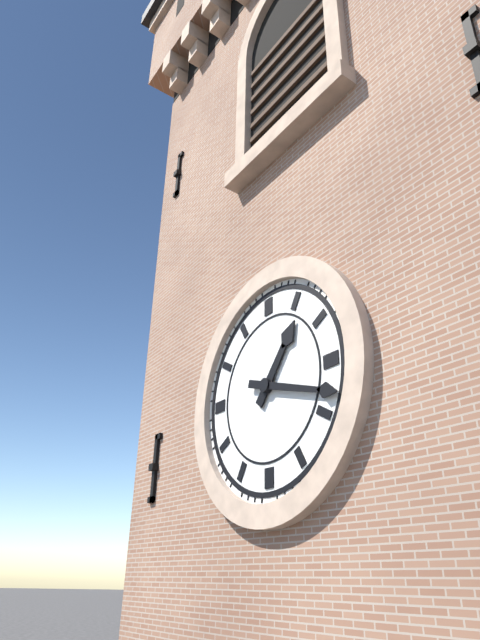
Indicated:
h=1 m=18
